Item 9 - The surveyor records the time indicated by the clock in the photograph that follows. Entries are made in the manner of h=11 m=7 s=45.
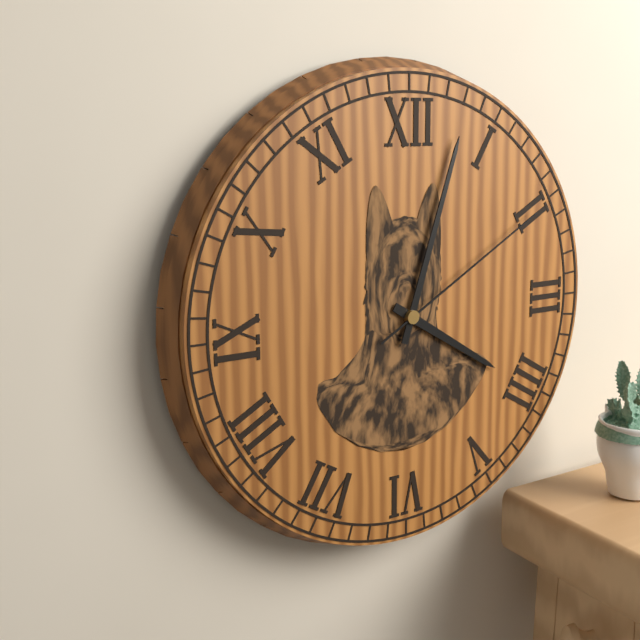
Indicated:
h=4 m=3 s=10
